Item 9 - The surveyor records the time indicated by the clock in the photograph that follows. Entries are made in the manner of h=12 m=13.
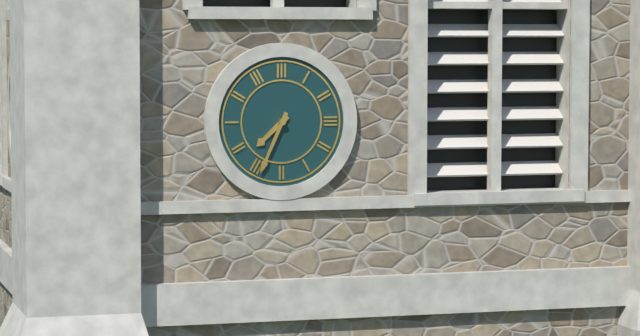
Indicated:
h=7 m=34
